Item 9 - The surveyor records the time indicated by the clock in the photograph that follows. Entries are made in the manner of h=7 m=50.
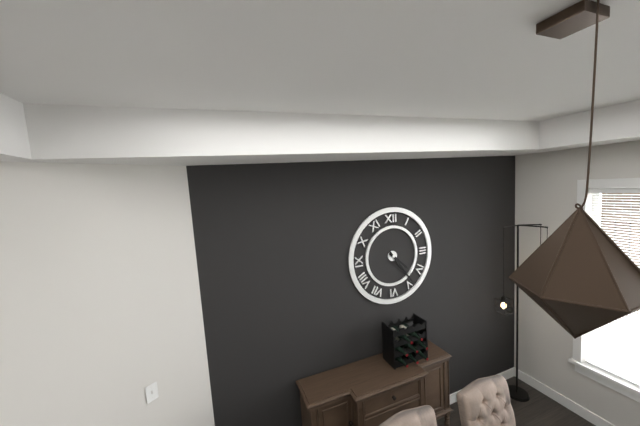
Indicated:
h=4 m=24
